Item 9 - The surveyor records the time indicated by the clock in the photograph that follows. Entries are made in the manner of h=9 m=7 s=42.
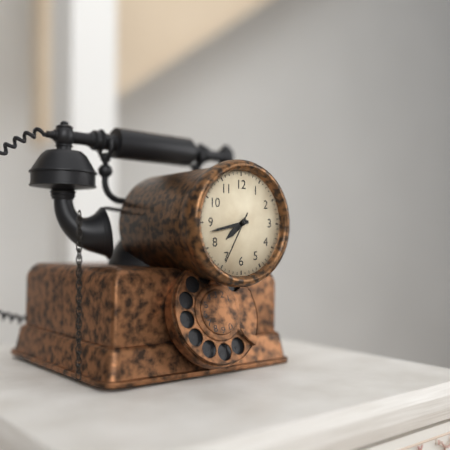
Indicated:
h=7 m=43 s=35
